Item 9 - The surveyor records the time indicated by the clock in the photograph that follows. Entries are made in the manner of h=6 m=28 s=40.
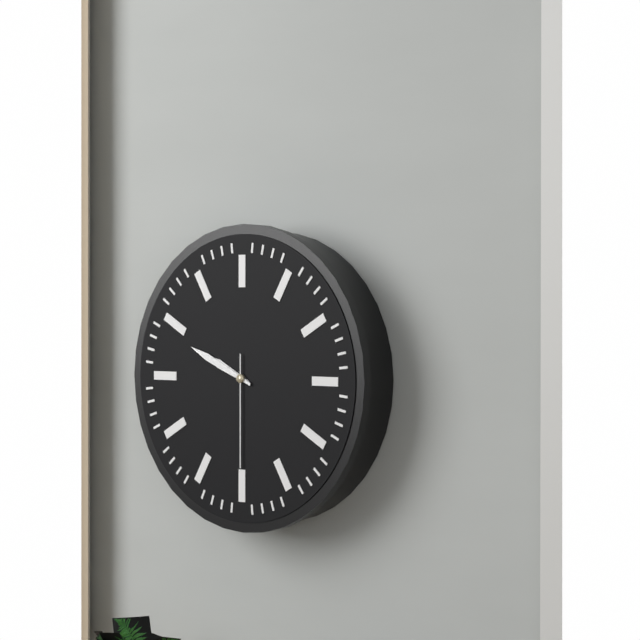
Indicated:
h=9 m=49 s=30
